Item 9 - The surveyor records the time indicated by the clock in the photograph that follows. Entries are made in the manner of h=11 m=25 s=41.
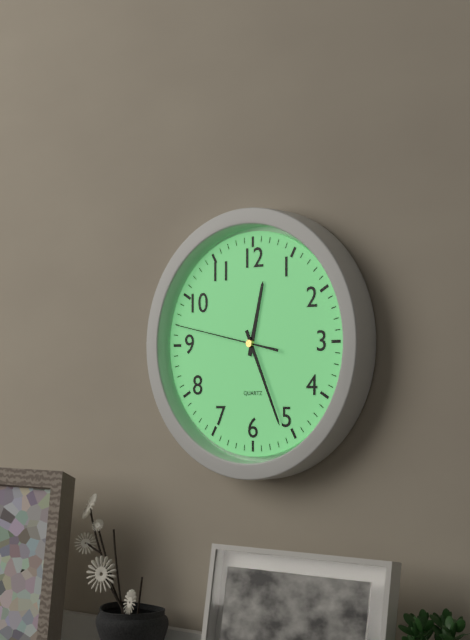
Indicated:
h=12 m=26 s=47
